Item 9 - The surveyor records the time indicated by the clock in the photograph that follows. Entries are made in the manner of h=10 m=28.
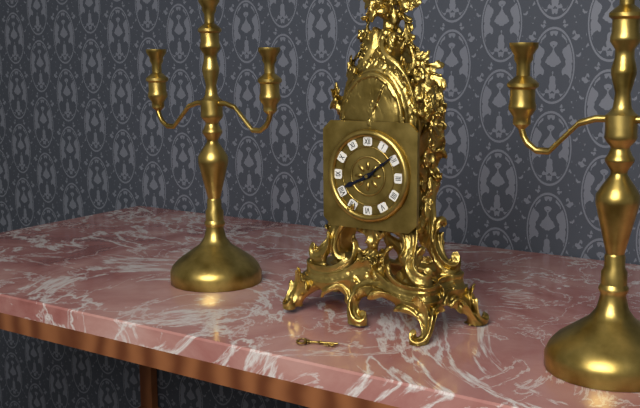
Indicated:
h=8 m=9
